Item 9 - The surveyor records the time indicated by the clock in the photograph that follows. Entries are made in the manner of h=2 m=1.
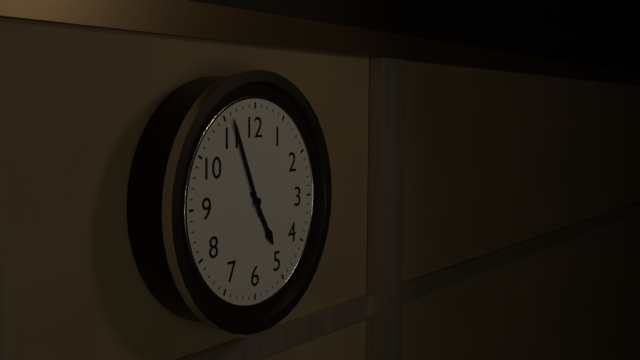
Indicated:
h=4 m=56
